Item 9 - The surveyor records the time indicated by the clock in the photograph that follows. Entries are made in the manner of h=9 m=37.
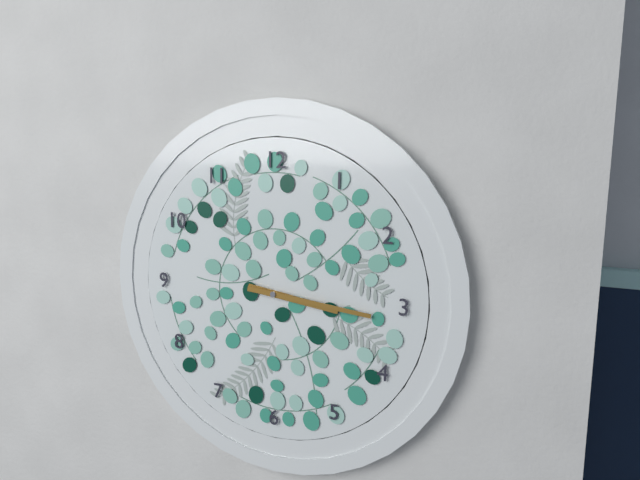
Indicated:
h=3 m=16
